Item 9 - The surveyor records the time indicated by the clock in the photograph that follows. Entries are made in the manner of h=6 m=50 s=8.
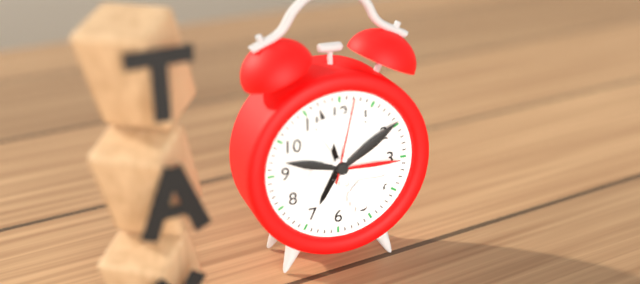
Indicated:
h=6 m=57 s=2
